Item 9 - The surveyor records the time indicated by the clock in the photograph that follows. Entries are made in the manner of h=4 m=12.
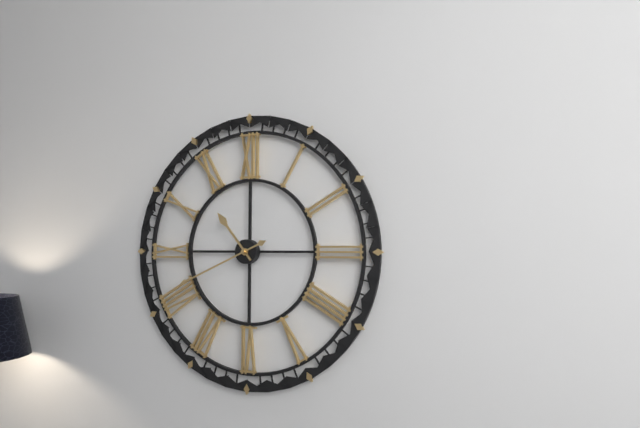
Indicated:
h=10 m=41
